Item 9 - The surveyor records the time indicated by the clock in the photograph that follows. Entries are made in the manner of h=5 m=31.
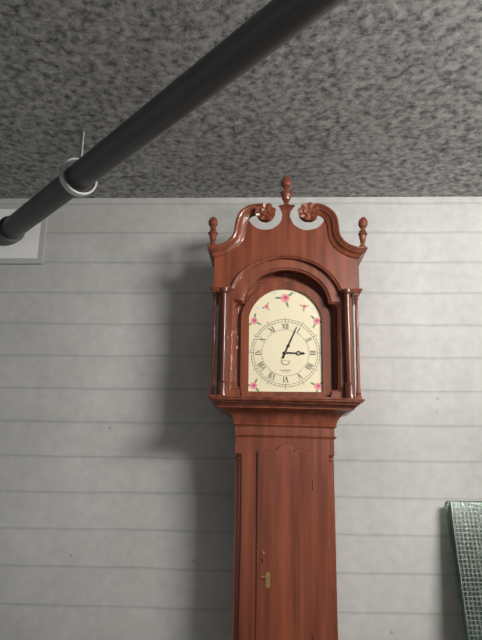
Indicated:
h=3 m=4
